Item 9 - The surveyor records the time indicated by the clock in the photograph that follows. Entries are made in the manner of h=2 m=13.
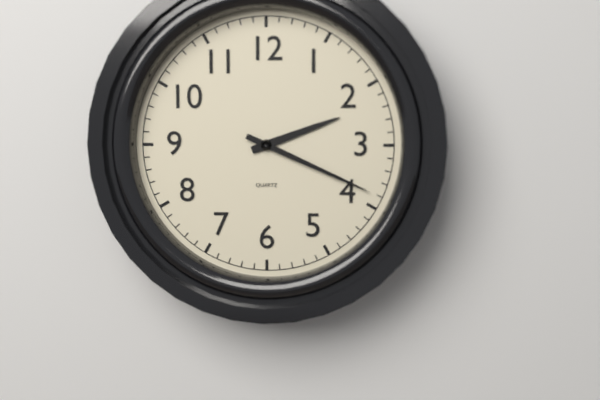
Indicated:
h=2 m=19
